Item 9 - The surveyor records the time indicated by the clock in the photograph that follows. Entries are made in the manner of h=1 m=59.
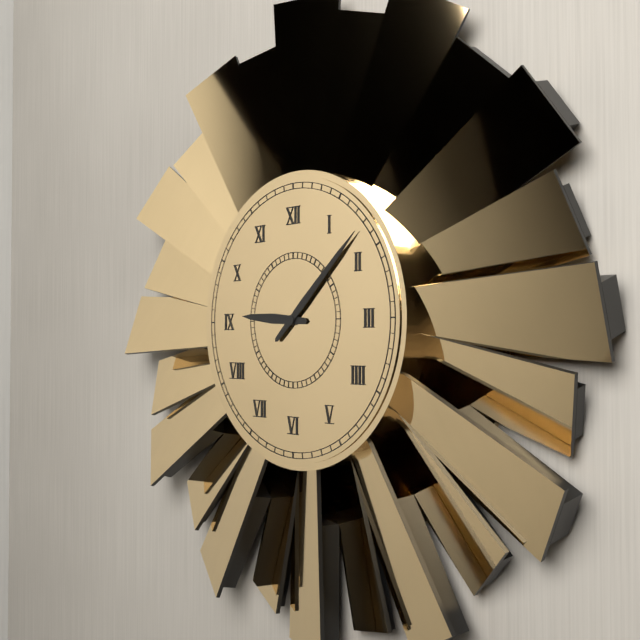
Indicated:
h=9 m=8
